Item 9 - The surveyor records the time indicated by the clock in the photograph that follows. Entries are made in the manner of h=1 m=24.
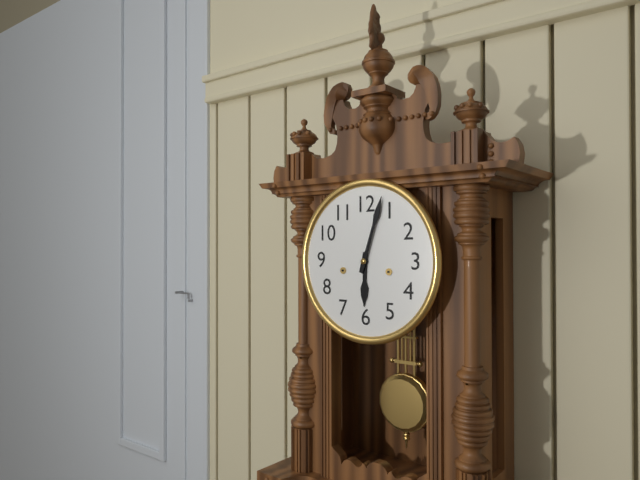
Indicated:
h=6 m=3
